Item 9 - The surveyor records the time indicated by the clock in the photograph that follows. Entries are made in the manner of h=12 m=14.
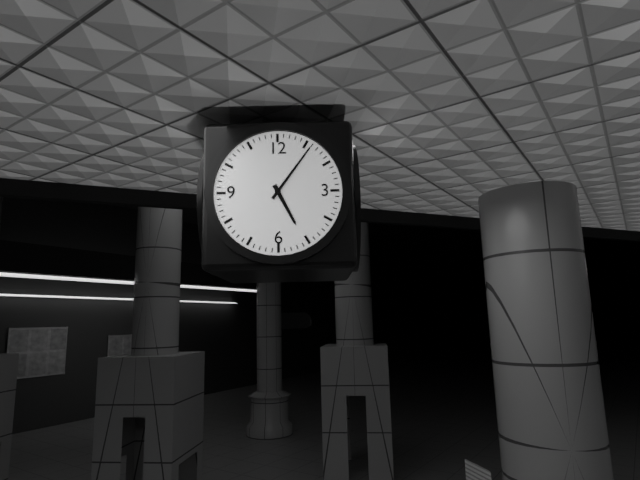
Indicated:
h=5 m=6
